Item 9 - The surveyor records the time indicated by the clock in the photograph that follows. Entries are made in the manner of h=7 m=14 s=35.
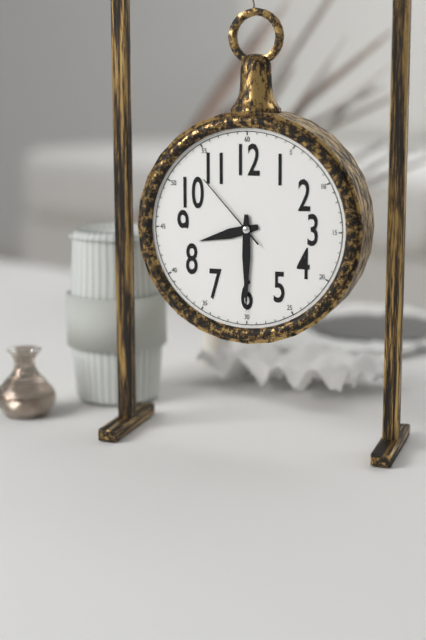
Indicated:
h=8 m=30 s=53
